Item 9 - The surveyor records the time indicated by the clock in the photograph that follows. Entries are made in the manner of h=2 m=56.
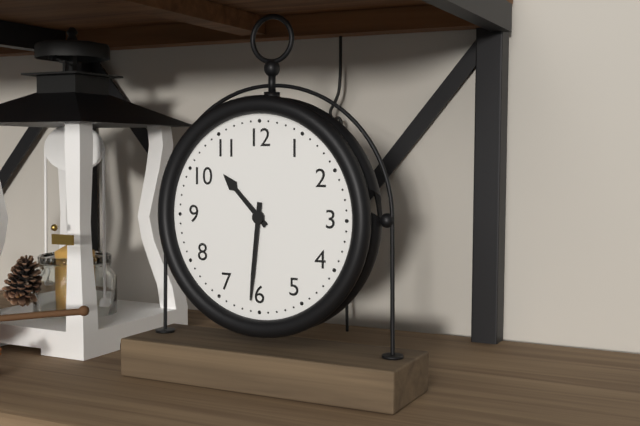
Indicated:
h=10 m=31
